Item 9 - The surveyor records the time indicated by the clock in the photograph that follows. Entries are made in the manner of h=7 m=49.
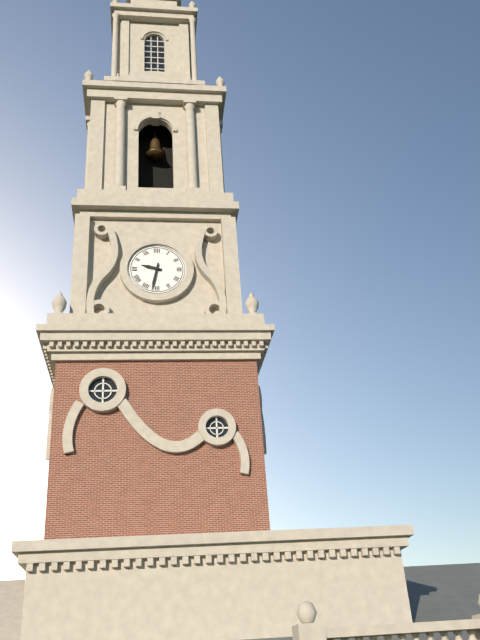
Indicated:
h=9 m=32
